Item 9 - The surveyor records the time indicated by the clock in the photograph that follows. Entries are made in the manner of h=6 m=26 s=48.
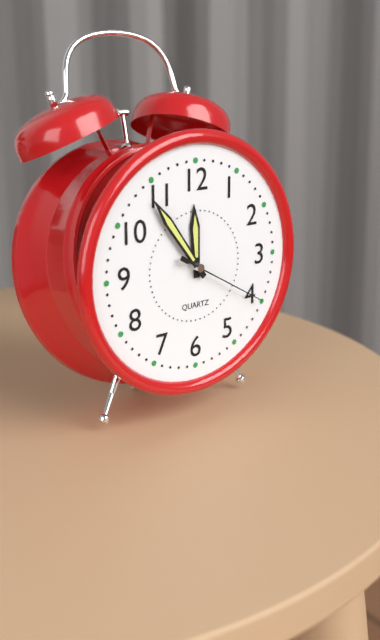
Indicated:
h=11 m=54 s=20
